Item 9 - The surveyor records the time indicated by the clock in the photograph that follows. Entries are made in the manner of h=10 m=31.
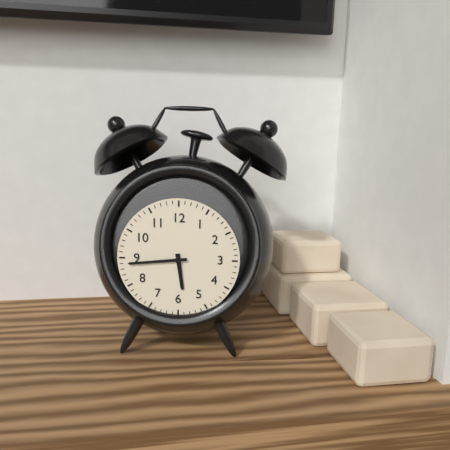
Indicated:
h=5 m=44
